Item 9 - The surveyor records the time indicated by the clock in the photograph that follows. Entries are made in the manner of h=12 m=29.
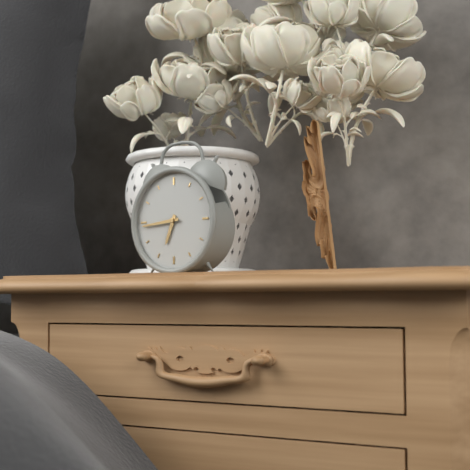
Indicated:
h=6 m=44
